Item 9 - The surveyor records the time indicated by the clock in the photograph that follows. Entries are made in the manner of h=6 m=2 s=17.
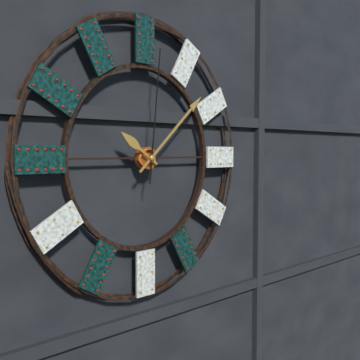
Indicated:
h=10 m=8 s=1
